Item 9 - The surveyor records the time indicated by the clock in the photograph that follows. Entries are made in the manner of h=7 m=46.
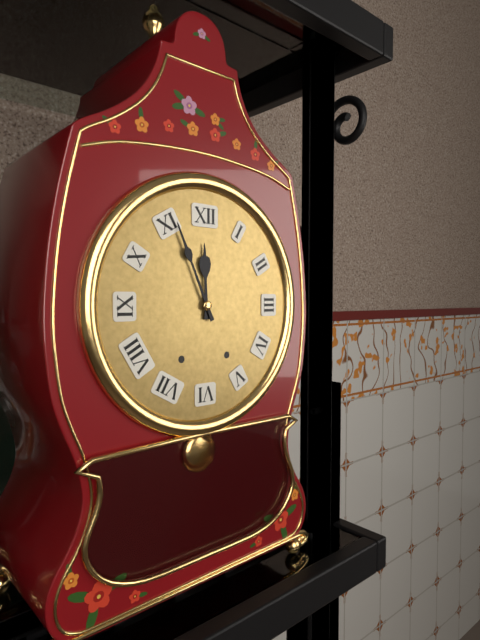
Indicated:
h=11 m=56
